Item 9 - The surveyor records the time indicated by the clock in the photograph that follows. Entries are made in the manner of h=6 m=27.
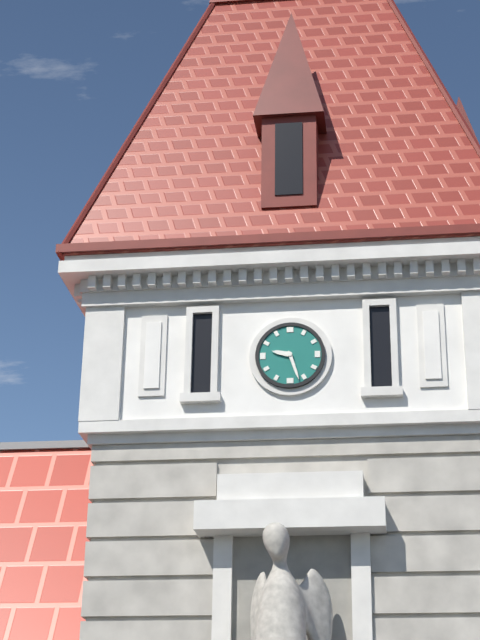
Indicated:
h=9 m=27
